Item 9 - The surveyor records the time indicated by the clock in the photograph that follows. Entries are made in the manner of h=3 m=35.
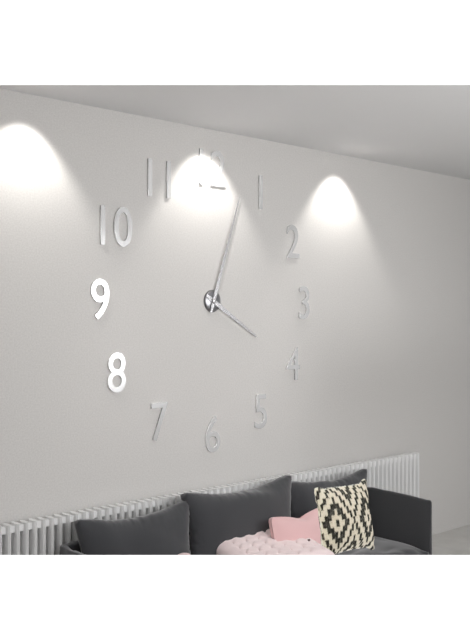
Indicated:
h=4 m=3
